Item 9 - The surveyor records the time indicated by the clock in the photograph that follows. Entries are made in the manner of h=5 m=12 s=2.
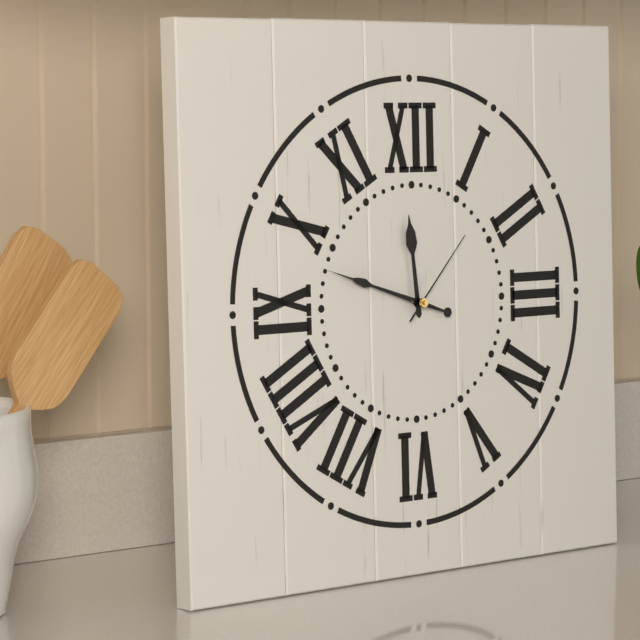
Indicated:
h=11 m=48 s=7
